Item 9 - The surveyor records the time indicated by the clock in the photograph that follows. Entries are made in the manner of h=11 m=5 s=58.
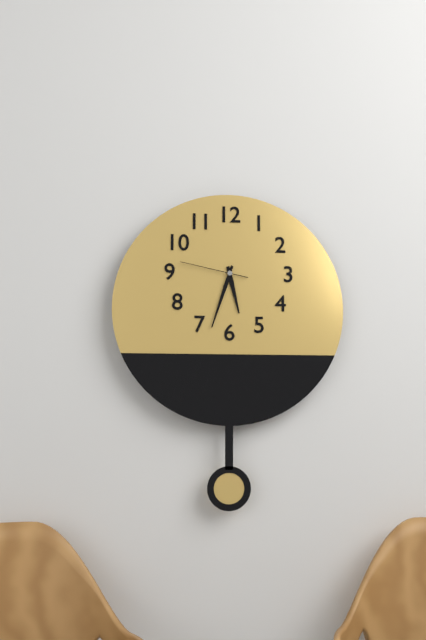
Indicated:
h=5 m=33 s=47
